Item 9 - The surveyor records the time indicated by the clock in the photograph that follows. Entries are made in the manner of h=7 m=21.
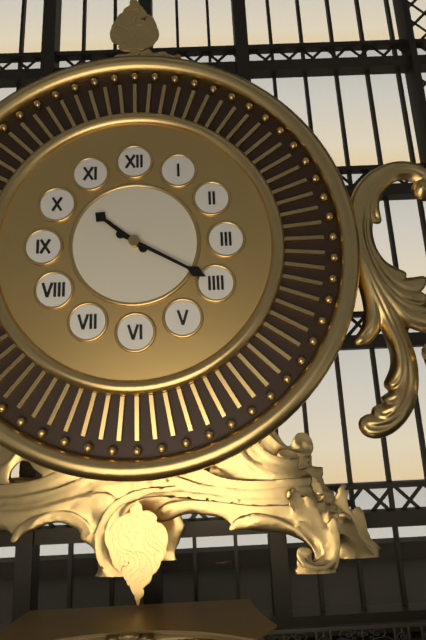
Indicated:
h=10 m=20
